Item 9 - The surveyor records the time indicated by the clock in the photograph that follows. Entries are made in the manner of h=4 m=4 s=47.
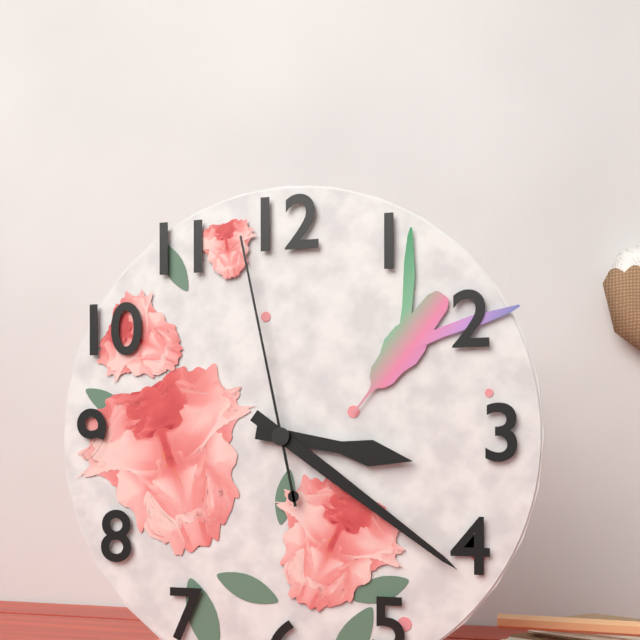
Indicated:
h=3 m=21 s=58
